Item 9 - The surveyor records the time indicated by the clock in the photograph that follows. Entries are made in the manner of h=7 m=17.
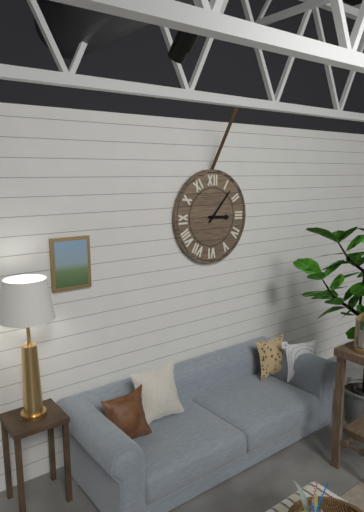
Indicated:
h=3 m=7
